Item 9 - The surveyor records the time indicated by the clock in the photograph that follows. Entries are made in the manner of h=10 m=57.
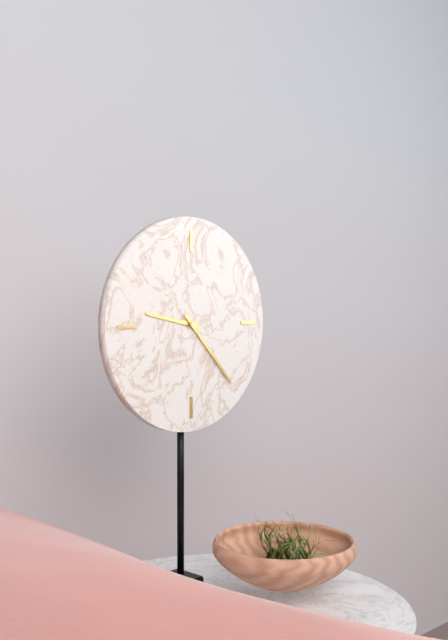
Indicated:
h=9 m=23
